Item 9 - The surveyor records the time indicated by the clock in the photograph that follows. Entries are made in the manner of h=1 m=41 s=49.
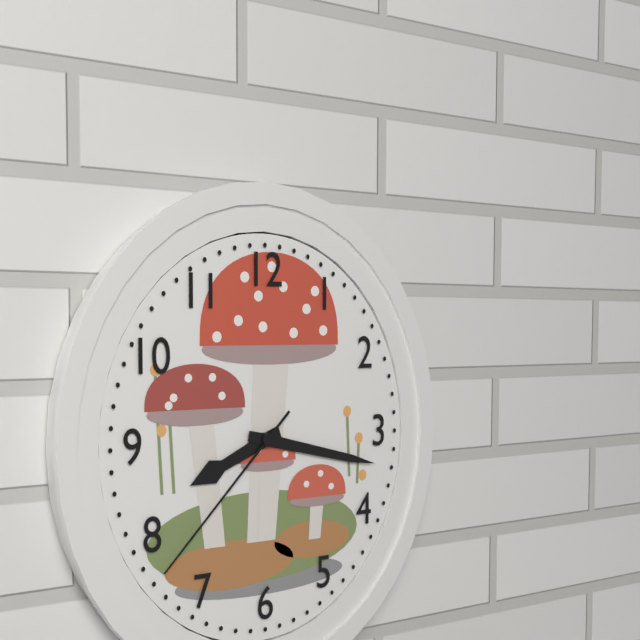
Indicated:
h=8 m=17 s=38
